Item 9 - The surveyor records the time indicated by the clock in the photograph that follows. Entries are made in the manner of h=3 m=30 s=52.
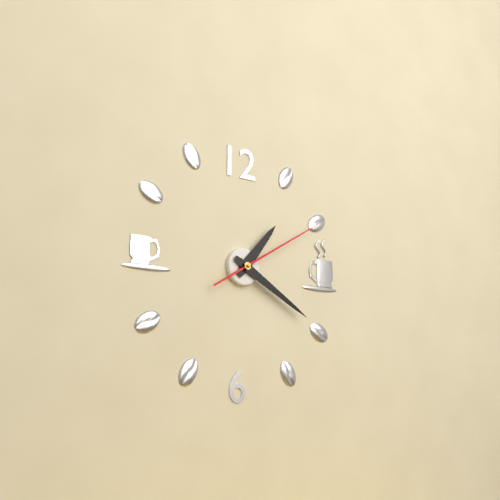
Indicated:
h=1 m=20 s=10
